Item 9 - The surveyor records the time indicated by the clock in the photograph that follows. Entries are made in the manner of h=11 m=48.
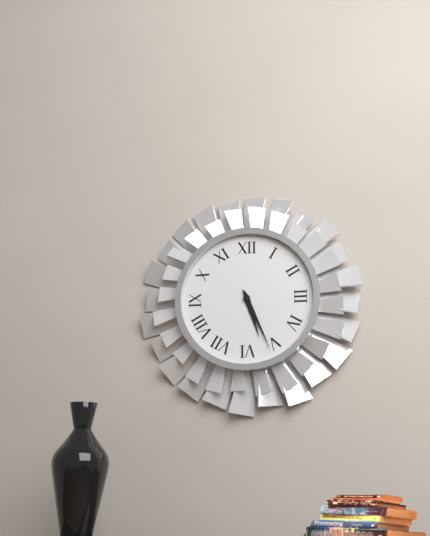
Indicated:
h=5 m=26
